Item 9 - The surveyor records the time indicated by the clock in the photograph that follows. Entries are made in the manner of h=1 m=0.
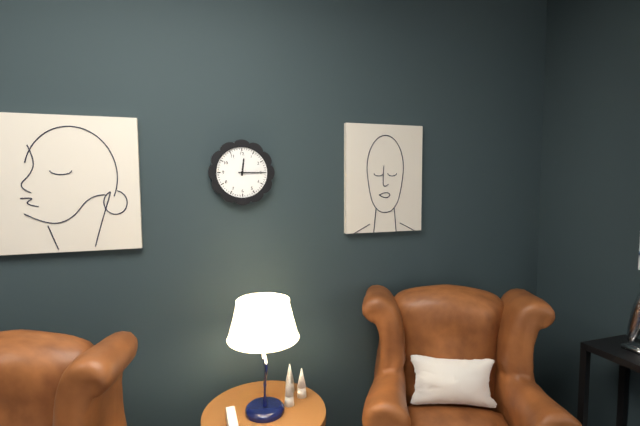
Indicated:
h=12 m=15
